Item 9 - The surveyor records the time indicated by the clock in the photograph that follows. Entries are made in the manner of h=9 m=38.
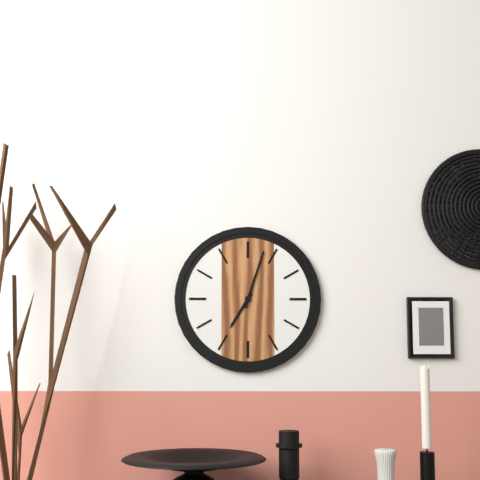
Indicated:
h=7 m=3
